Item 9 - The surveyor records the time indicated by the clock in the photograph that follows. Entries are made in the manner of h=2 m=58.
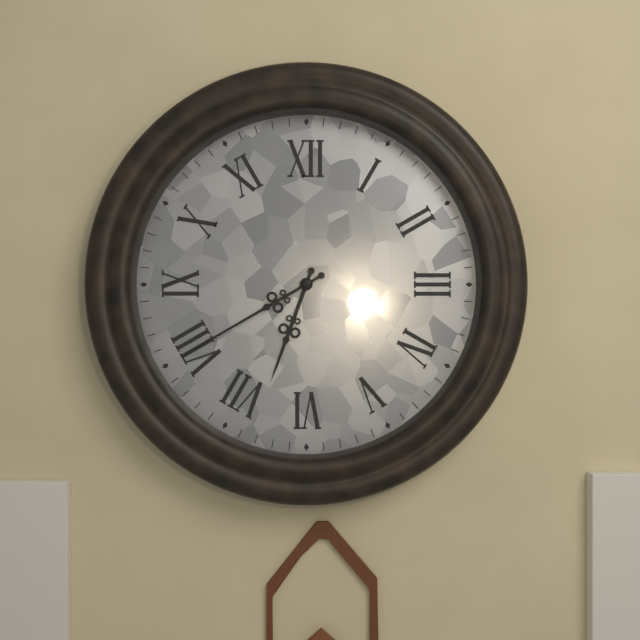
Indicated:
h=6 m=40
